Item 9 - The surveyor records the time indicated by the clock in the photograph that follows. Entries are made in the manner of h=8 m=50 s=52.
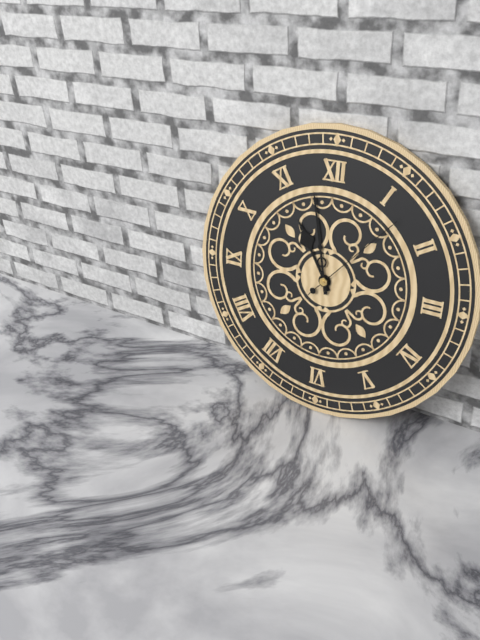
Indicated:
h=10 m=58 s=7
